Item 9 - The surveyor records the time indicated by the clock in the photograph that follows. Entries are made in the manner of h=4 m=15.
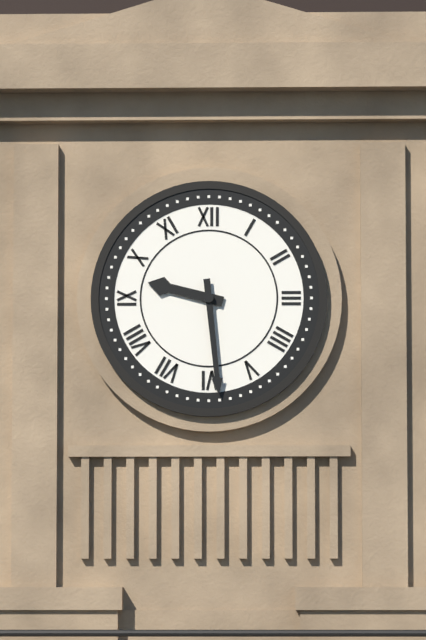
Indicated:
h=9 m=29
